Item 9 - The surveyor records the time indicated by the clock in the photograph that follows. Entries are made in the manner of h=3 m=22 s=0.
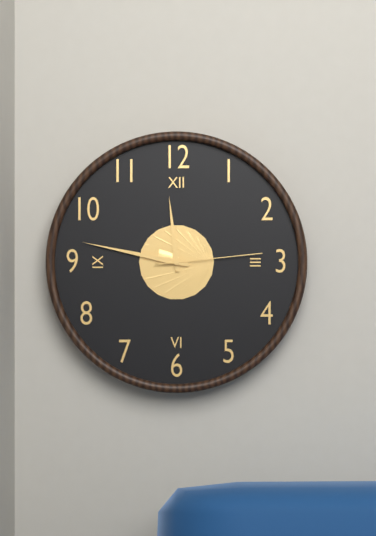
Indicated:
h=11 m=47 s=14
